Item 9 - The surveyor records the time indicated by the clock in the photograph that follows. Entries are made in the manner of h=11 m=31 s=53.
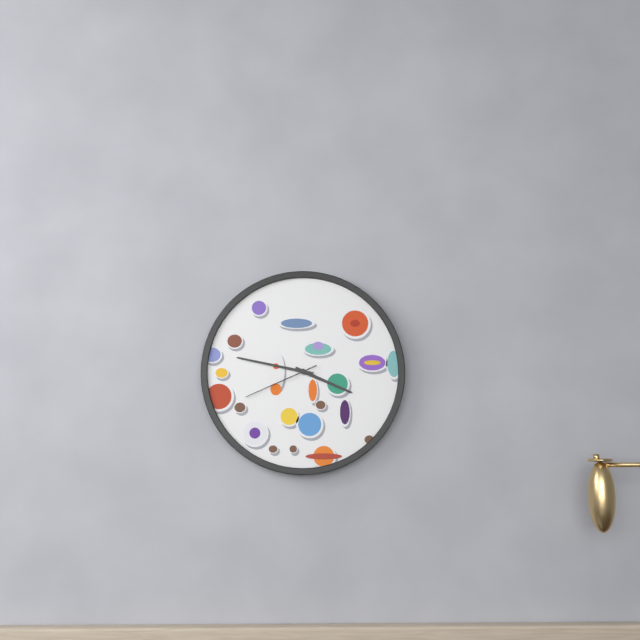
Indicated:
h=3 m=47 s=41
